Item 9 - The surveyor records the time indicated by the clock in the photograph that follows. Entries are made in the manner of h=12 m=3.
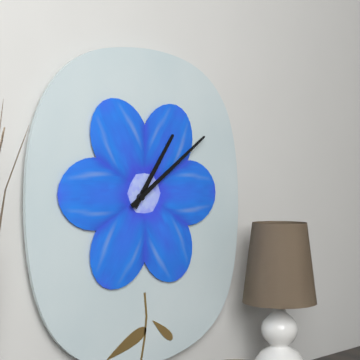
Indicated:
h=1 m=9
